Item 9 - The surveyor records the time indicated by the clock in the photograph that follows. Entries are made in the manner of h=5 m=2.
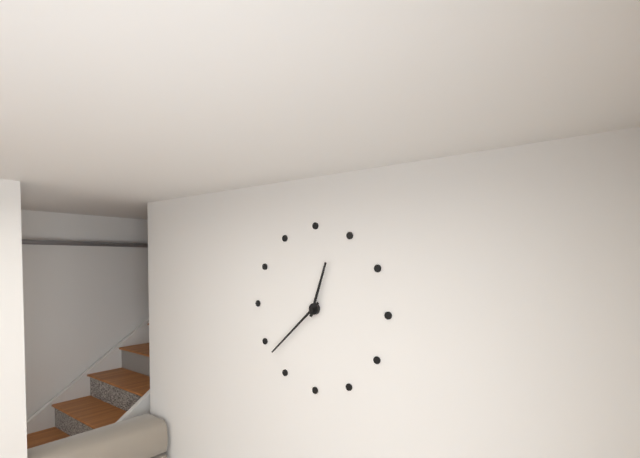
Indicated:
h=12 m=38
